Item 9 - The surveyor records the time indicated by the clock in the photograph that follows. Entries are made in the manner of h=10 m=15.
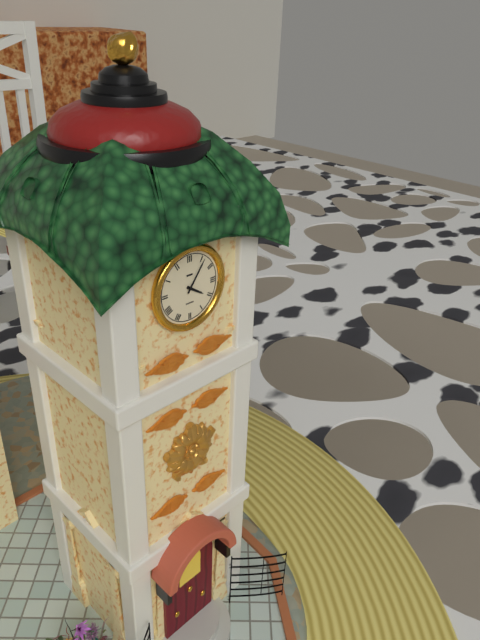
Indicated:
h=4 m=6
